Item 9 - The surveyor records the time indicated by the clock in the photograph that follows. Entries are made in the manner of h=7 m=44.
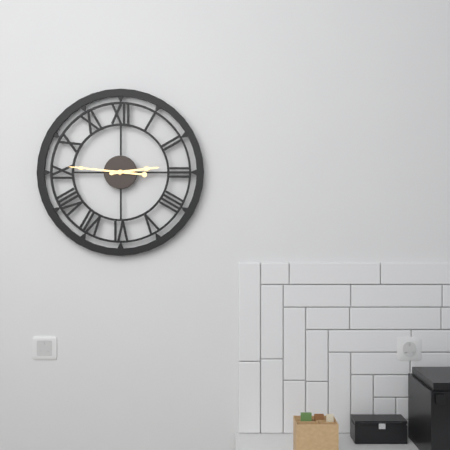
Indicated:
h=2 m=46
